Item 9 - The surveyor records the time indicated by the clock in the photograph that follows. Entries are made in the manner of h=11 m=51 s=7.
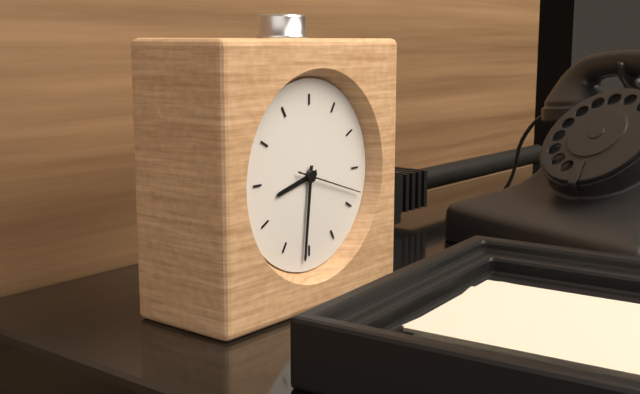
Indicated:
h=8 m=31 s=18
